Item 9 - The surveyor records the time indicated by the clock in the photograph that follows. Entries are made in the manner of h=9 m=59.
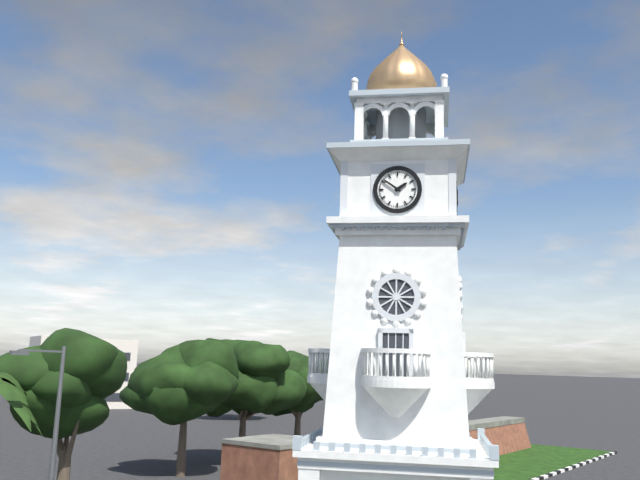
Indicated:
h=1 m=51
